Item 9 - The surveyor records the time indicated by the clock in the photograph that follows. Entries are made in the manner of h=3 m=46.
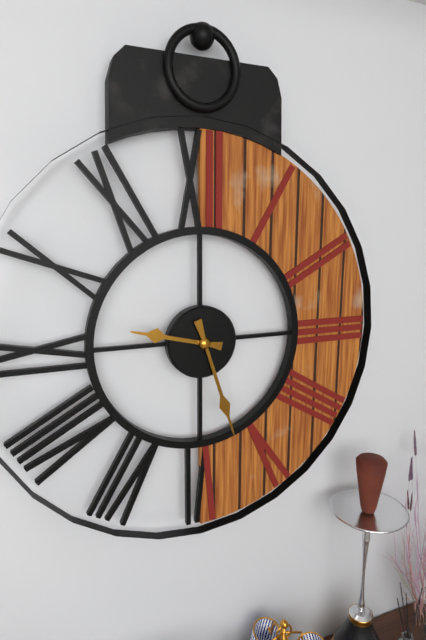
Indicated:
h=9 m=27
